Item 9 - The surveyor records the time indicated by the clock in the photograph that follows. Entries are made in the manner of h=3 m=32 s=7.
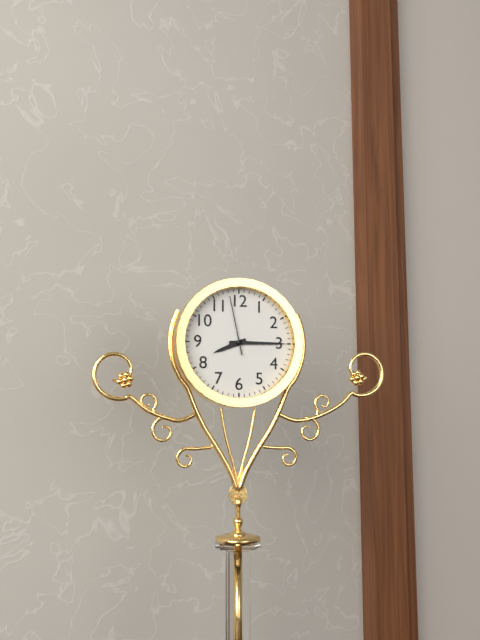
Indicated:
h=8 m=15 s=58
